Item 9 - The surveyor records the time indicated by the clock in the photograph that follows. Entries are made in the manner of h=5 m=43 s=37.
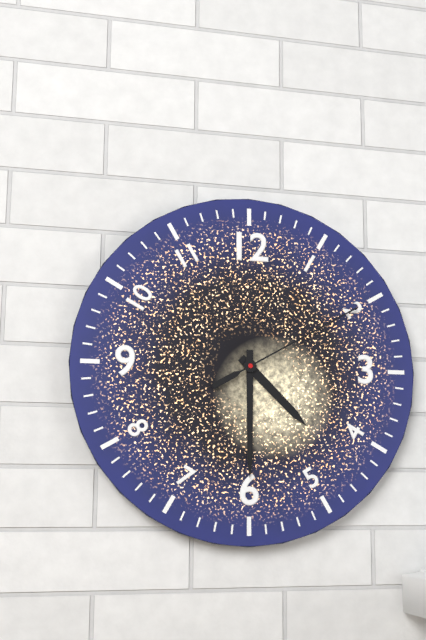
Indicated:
h=4 m=30 s=10
